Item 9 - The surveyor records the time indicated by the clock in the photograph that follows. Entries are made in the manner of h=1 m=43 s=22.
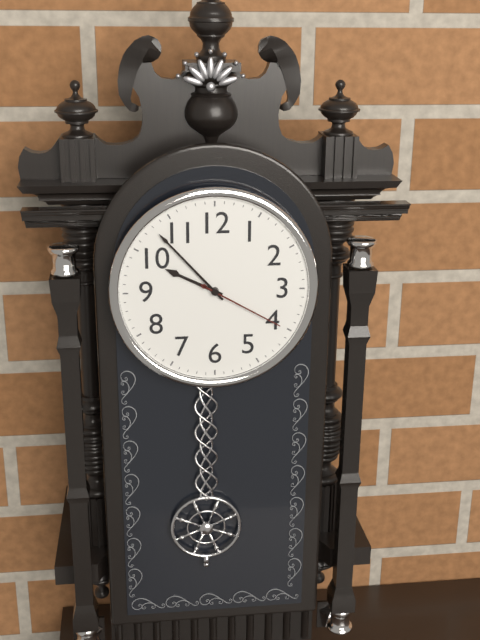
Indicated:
h=9 m=53 s=20
